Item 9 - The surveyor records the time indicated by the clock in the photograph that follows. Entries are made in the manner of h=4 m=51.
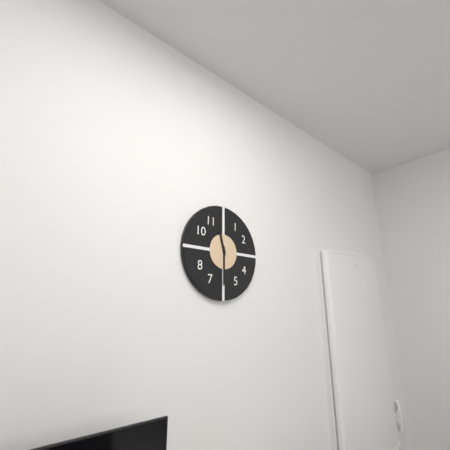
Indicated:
h=11 m=30
